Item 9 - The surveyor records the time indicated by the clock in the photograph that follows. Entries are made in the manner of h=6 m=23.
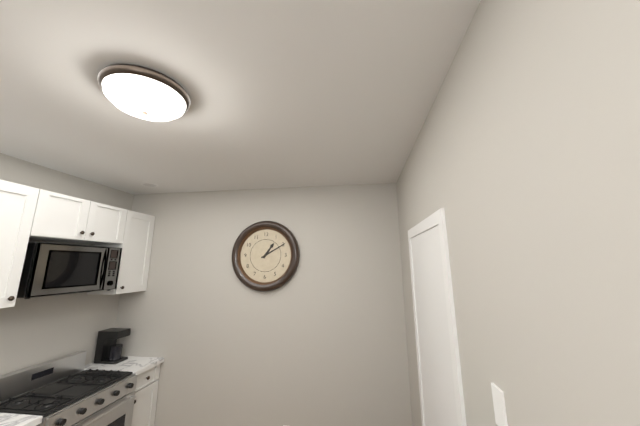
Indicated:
h=1 m=10
